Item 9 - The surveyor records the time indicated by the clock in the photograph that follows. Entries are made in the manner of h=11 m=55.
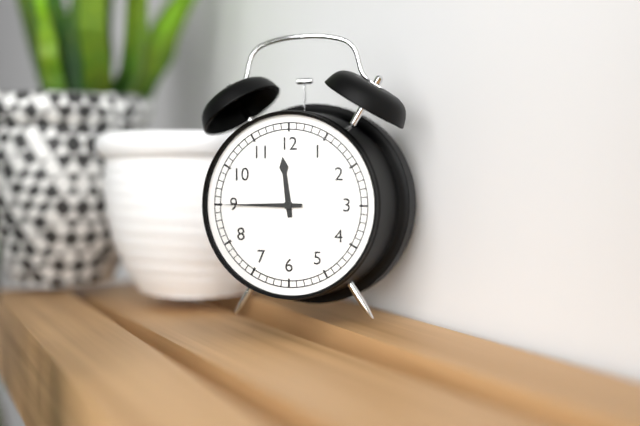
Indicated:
h=11 m=45
